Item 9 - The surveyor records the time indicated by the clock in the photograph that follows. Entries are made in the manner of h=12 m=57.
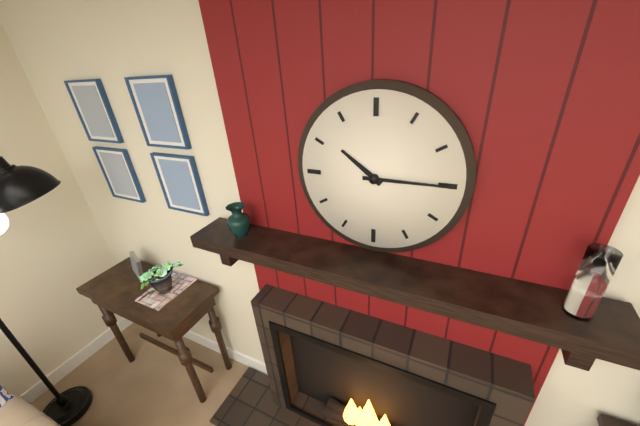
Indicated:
h=10 m=15
